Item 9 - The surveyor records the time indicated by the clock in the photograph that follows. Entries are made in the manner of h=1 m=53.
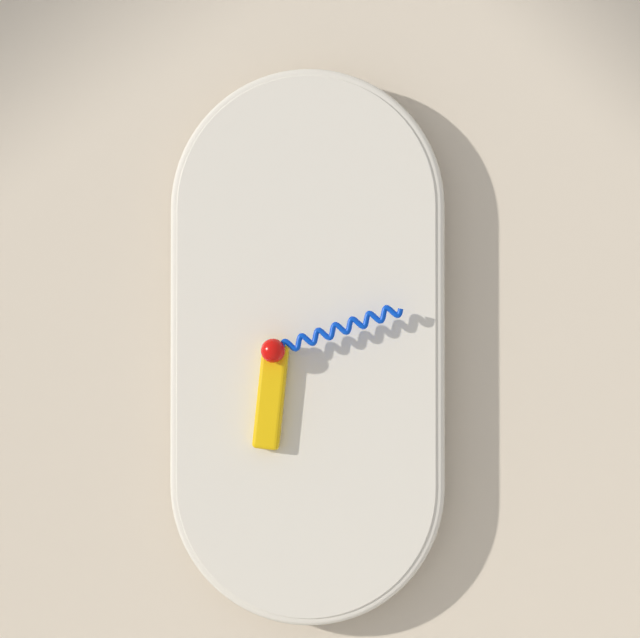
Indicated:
h=6 m=12
